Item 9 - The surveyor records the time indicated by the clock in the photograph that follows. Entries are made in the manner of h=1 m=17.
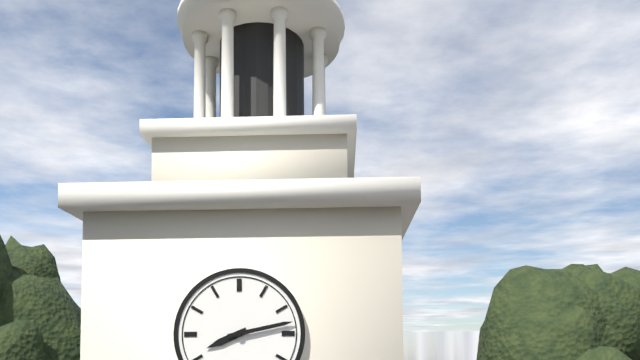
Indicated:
h=8 m=13
